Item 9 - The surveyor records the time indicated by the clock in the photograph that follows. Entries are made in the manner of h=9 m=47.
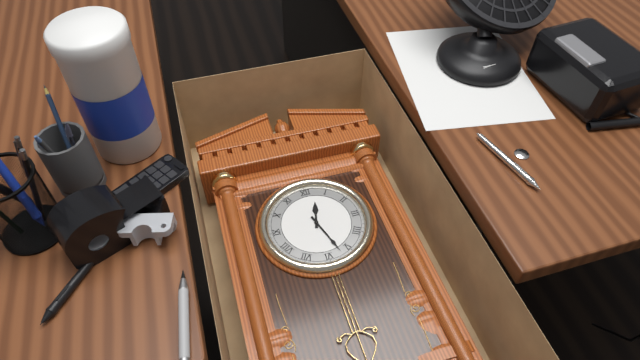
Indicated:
h=12 m=27
